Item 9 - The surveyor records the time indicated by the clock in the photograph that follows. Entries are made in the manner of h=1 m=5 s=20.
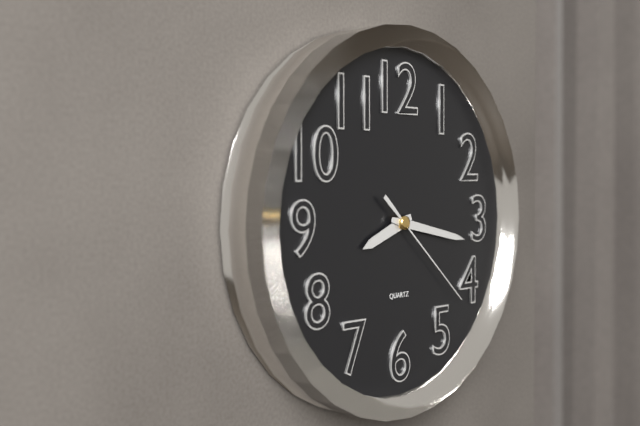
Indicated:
h=8 m=17 s=22
